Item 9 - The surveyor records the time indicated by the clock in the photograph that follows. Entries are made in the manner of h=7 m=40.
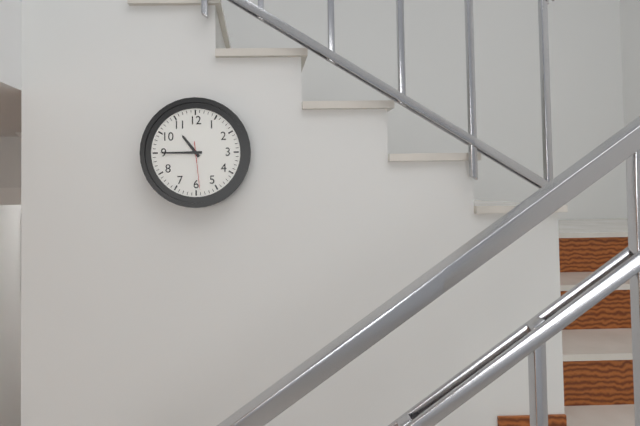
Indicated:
h=10 m=45
